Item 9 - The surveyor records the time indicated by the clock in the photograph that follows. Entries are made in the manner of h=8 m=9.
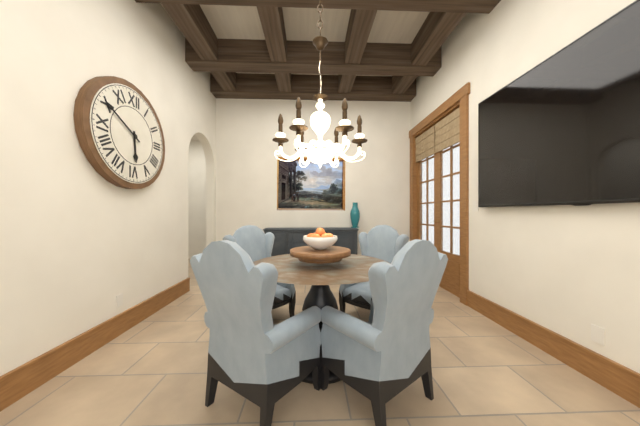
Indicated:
h=5 m=50
